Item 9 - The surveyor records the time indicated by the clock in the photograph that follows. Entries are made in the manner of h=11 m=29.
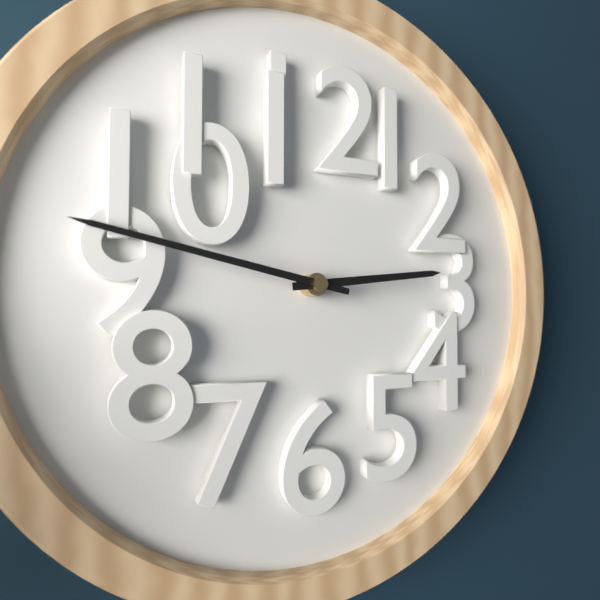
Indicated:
h=2 m=47
